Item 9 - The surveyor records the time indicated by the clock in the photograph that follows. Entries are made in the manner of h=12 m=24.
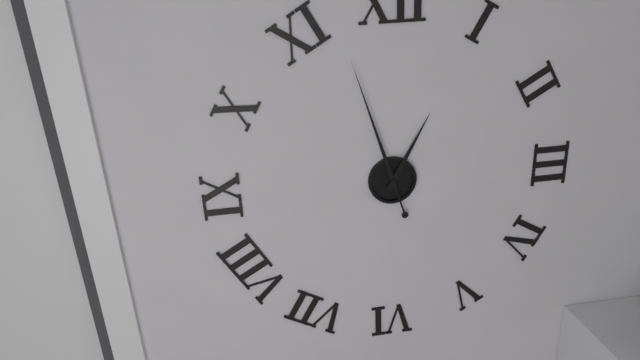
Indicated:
h=12 m=57
